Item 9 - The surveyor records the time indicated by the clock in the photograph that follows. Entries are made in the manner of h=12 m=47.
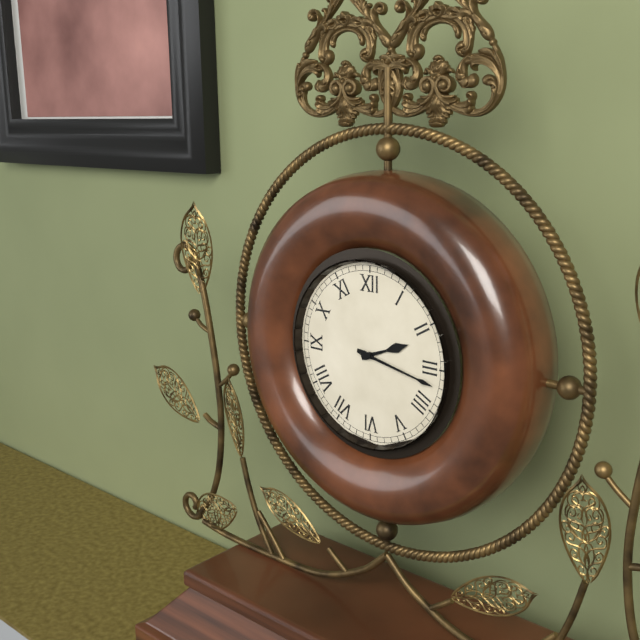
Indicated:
h=2 m=17
